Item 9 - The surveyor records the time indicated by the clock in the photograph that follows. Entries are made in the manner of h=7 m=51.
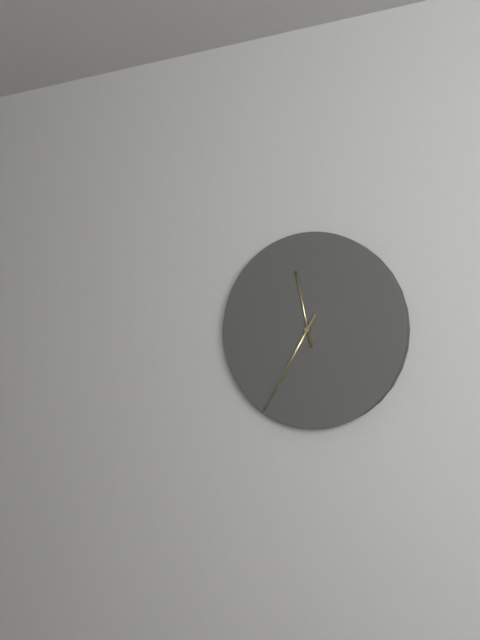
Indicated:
h=11 m=35
